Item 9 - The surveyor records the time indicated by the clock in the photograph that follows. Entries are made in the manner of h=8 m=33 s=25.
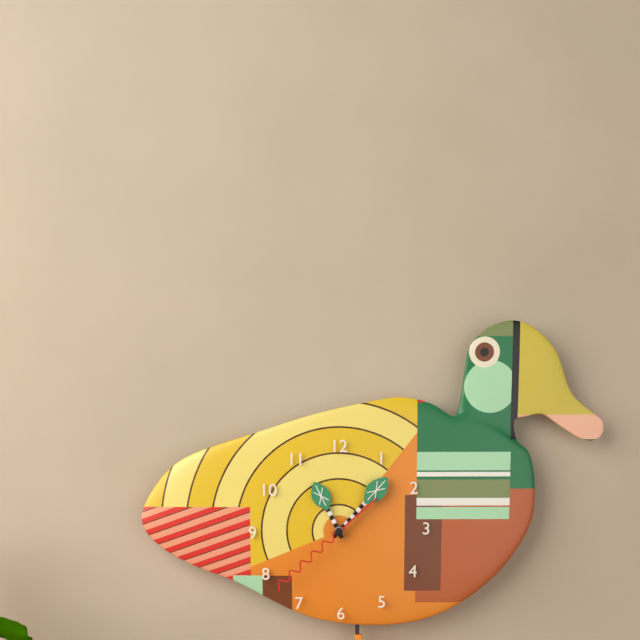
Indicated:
h=11 m=7 s=38
